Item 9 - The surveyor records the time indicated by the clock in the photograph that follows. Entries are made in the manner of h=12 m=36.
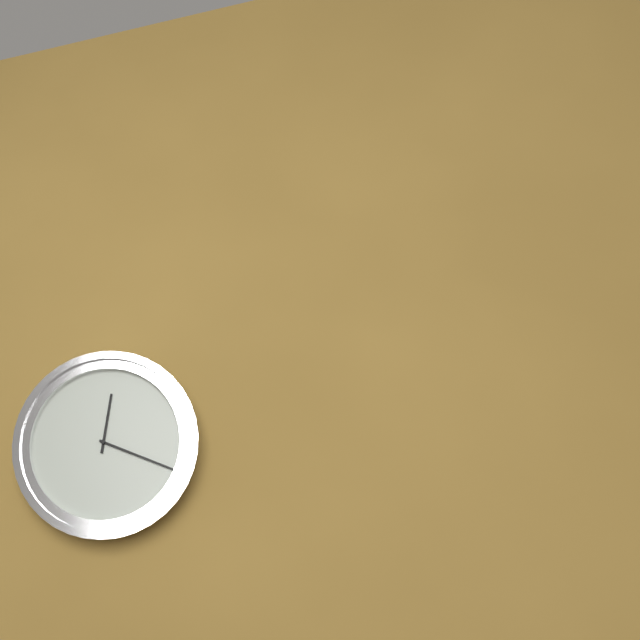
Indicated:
h=12 m=19
